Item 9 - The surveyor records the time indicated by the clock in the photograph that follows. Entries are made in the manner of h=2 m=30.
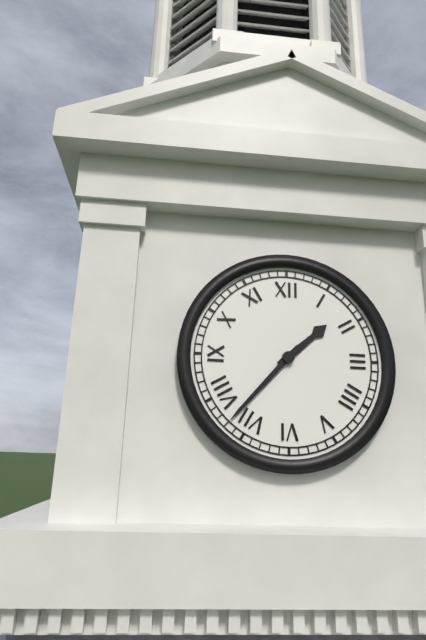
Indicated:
h=1 m=37
